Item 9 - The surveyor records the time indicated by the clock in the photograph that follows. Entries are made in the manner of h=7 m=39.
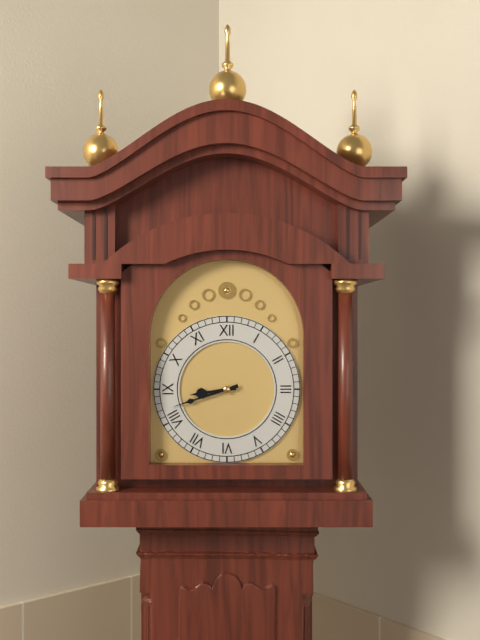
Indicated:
h=8 m=42
